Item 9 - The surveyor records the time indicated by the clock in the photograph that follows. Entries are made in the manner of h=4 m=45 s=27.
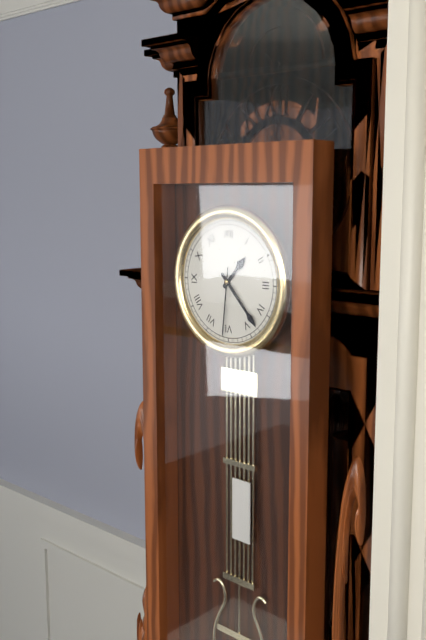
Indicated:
h=1 m=23 s=31
